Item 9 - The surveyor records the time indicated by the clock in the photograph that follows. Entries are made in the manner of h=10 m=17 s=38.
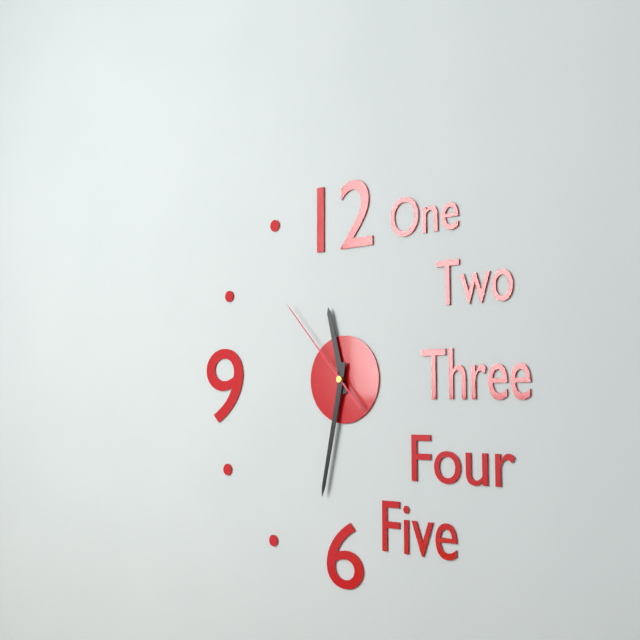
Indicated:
h=11 m=32 s=53
